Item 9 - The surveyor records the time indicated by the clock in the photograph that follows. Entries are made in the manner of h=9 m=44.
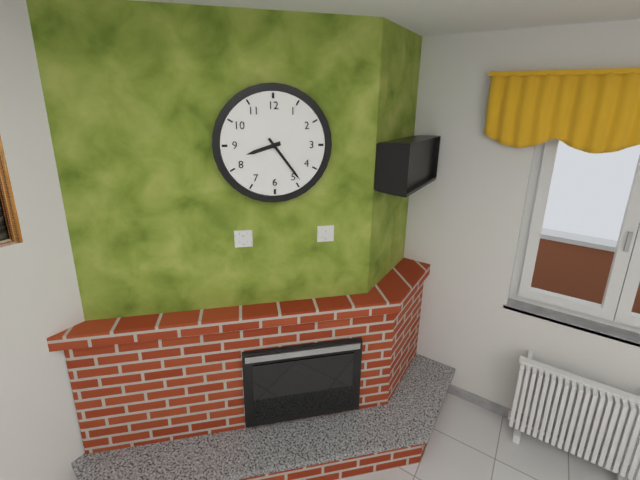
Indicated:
h=8 m=24
